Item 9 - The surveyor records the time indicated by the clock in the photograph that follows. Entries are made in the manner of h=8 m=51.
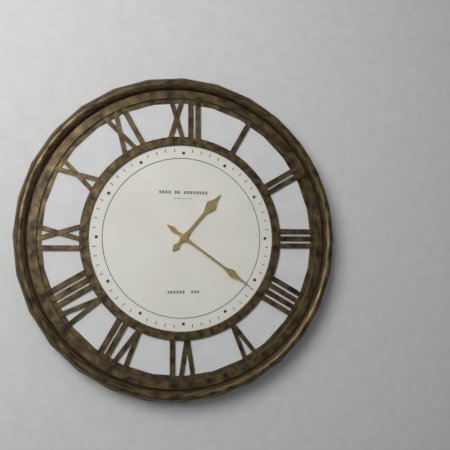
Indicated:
h=1 m=21
